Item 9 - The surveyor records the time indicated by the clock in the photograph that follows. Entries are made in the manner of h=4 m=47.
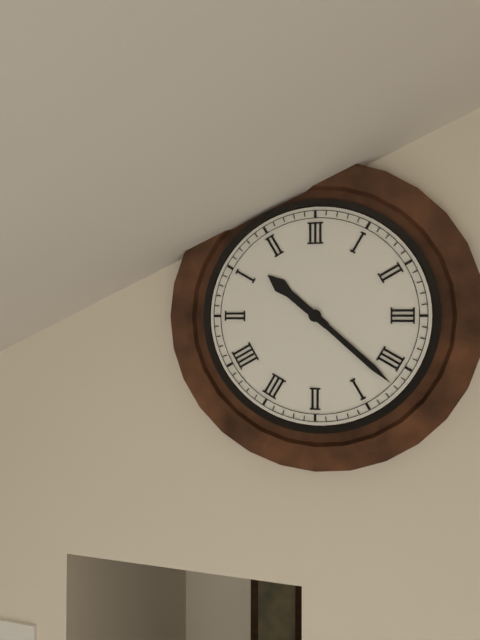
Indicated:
h=10 m=22
